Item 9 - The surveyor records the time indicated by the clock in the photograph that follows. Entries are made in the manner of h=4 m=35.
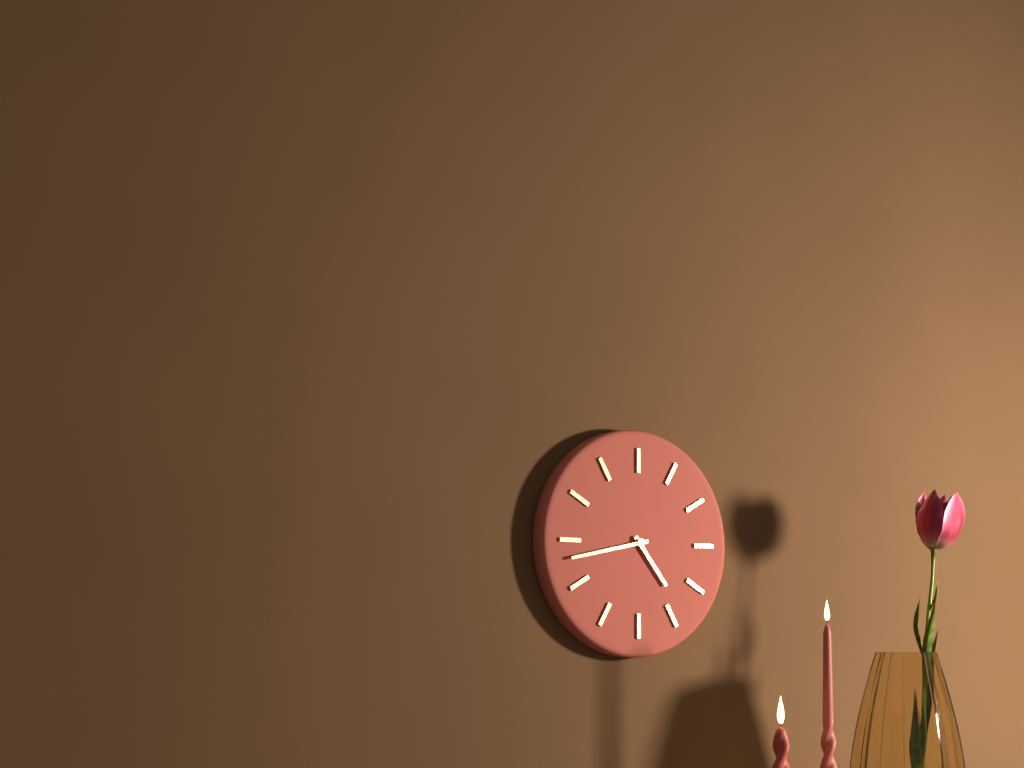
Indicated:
h=4 m=43
